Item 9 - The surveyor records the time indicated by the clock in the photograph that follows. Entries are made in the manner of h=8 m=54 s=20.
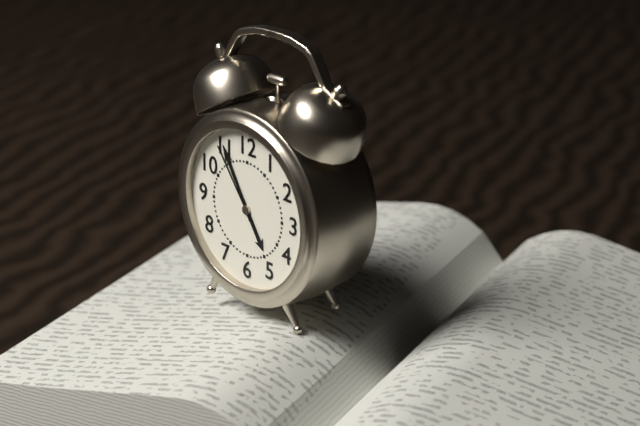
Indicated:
h=4 m=55 s=54
